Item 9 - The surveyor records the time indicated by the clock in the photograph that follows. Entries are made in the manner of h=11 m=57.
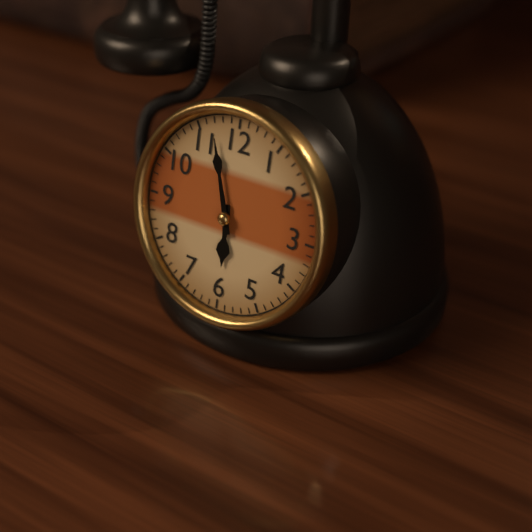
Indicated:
h=5 m=57
